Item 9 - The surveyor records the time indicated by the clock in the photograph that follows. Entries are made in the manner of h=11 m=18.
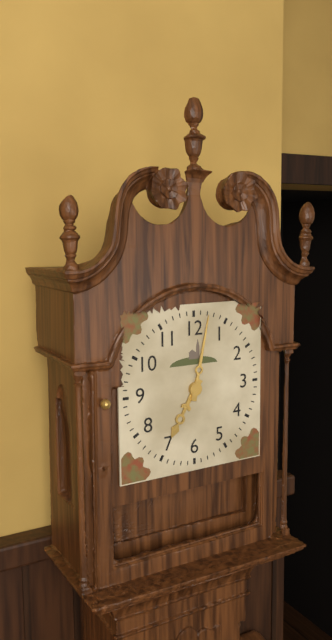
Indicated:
h=7 m=2
